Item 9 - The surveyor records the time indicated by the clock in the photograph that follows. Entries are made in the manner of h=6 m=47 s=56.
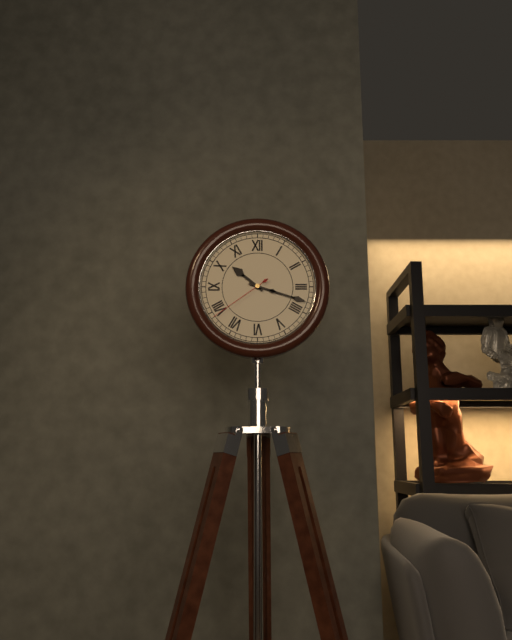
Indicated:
h=10 m=18 s=39
